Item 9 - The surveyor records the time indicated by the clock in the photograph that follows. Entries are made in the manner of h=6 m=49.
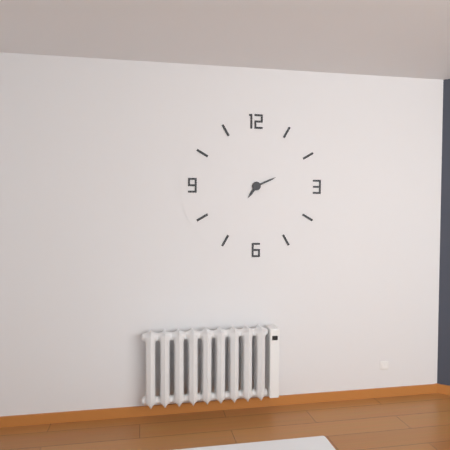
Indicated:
h=7 m=11
